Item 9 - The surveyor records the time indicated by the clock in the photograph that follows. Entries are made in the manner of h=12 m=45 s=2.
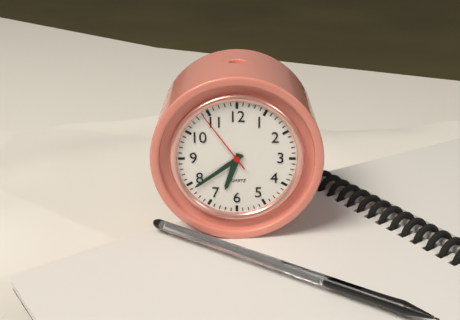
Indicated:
h=6 m=39 s=54
